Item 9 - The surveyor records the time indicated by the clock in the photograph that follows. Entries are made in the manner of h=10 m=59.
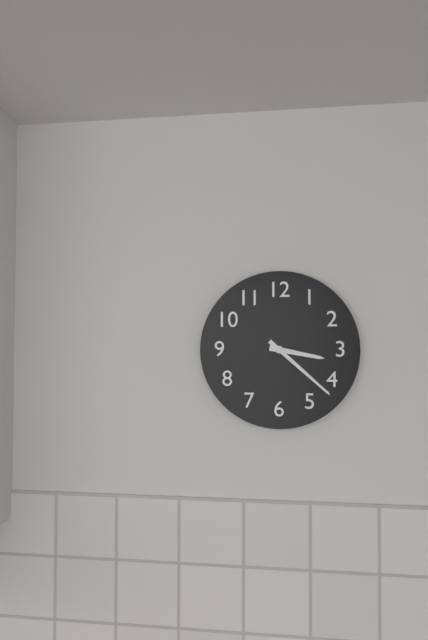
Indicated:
h=3 m=22
